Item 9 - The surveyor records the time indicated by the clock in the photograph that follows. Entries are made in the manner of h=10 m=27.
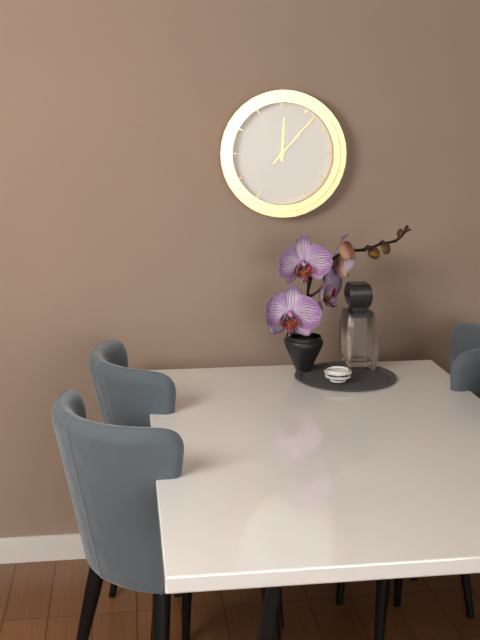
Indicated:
h=12 m=7
